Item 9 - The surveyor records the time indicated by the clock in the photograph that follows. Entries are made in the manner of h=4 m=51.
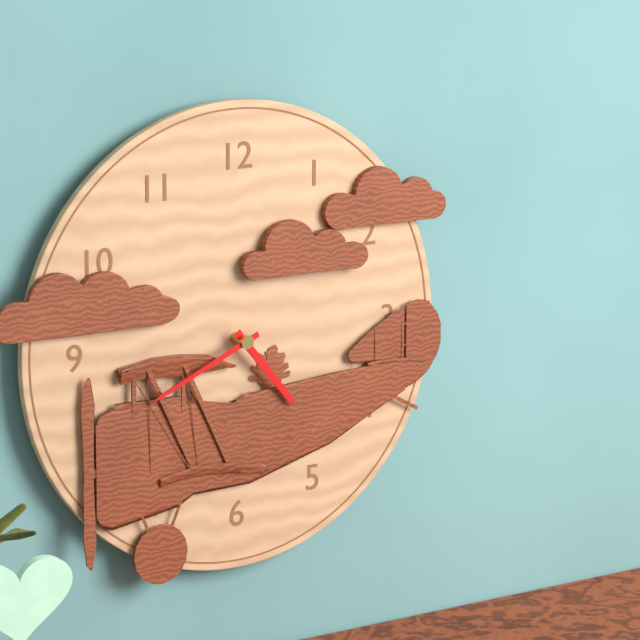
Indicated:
h=4 m=41
